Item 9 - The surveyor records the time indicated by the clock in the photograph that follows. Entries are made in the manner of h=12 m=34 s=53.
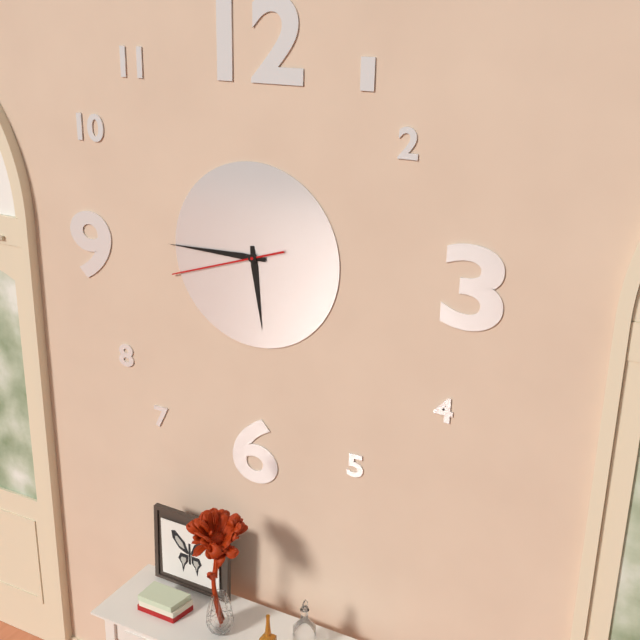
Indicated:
h=5 m=45 s=42
